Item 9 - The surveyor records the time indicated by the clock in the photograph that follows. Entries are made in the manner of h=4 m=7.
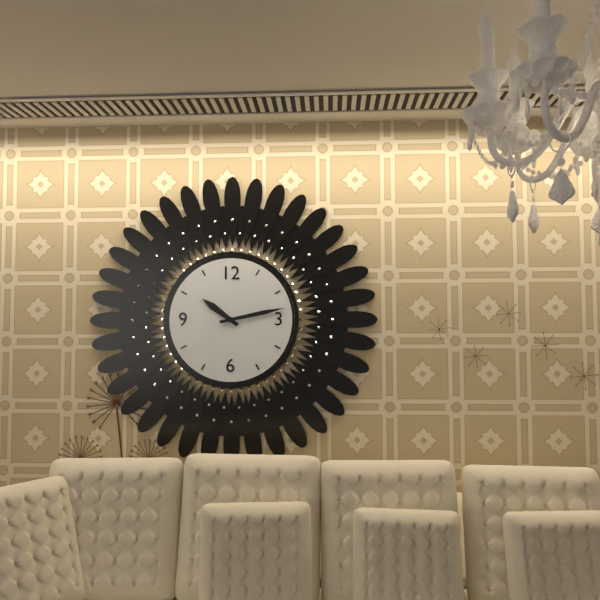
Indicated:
h=10 m=13
